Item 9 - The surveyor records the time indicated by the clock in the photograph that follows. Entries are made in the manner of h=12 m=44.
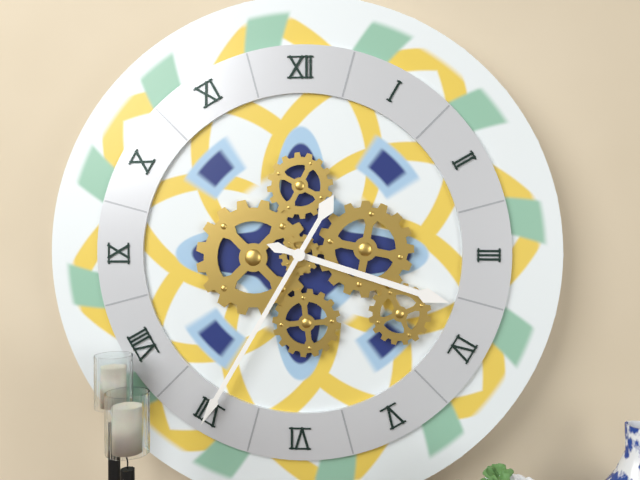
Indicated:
h=3 m=35
